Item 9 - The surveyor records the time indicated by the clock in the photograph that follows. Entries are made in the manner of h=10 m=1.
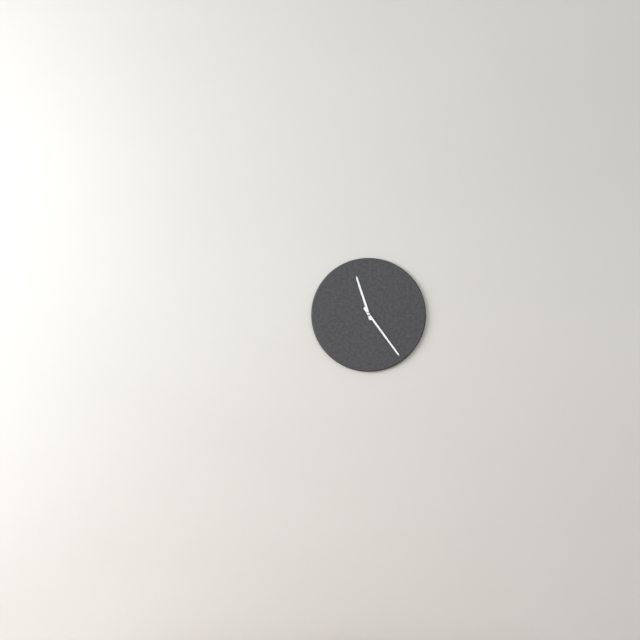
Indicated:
h=11 m=24
